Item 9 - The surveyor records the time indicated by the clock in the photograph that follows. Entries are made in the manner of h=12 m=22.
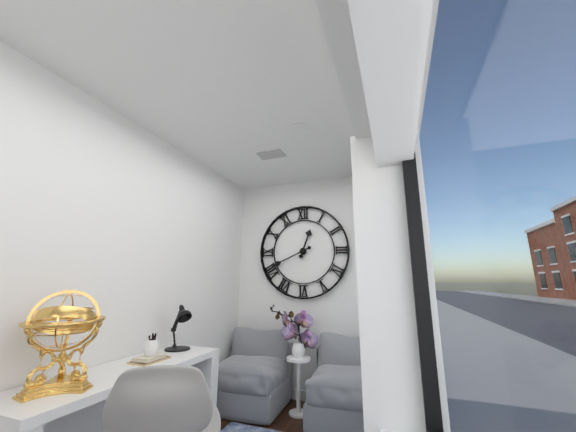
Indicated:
h=12 m=41
